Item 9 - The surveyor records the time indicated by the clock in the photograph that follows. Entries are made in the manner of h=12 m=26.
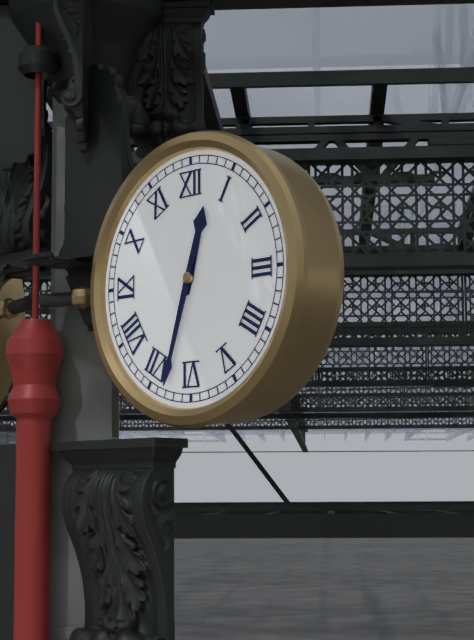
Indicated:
h=12 m=33
